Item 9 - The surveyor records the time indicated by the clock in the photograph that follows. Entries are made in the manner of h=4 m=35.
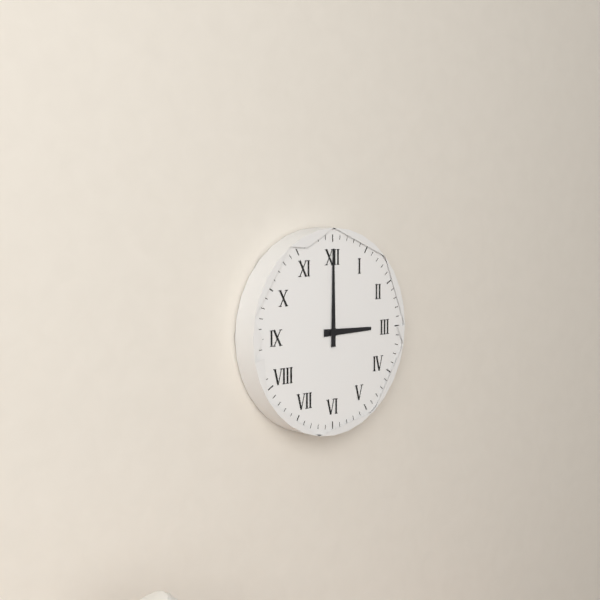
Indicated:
h=3 m=0
